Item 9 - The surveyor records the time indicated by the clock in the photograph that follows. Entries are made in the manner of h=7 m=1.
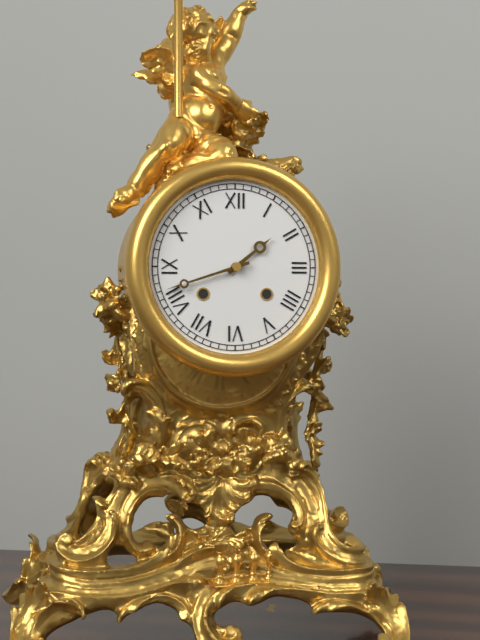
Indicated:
h=1 m=42
